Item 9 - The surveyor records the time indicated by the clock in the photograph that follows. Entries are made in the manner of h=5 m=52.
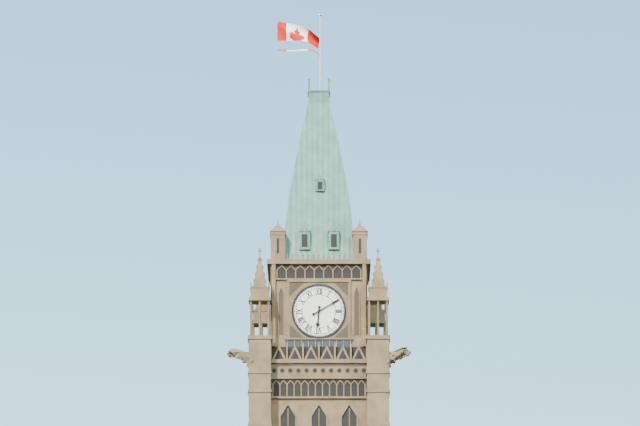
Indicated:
h=6 m=10
